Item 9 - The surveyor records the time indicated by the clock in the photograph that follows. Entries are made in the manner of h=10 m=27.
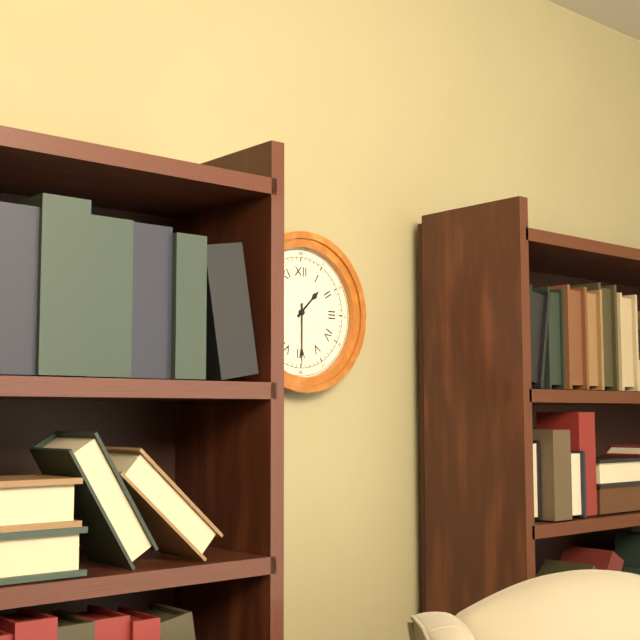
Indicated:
h=1 m=30
